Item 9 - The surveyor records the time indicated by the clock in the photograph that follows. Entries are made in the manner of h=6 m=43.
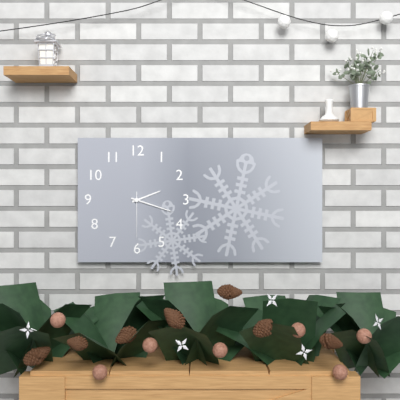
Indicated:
h=2 m=18
